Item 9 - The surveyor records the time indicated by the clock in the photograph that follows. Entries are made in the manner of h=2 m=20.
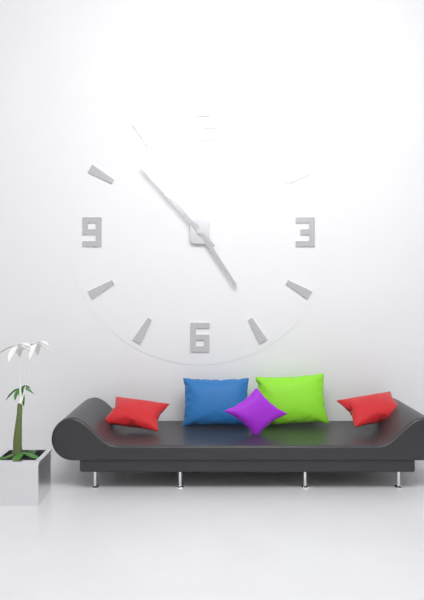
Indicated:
h=4 m=53
